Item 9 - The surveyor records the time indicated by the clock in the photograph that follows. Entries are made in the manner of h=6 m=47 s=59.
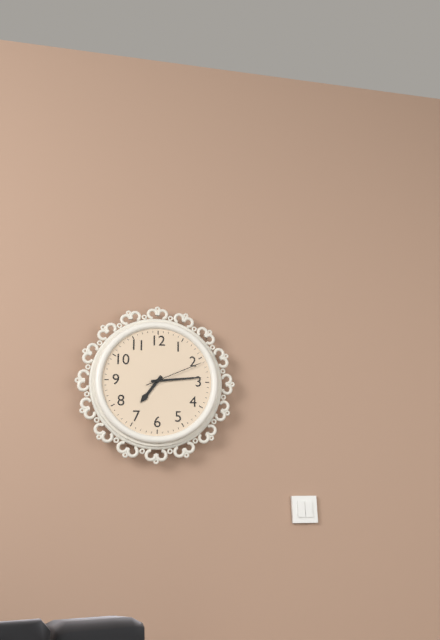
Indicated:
h=7 m=14 s=11
